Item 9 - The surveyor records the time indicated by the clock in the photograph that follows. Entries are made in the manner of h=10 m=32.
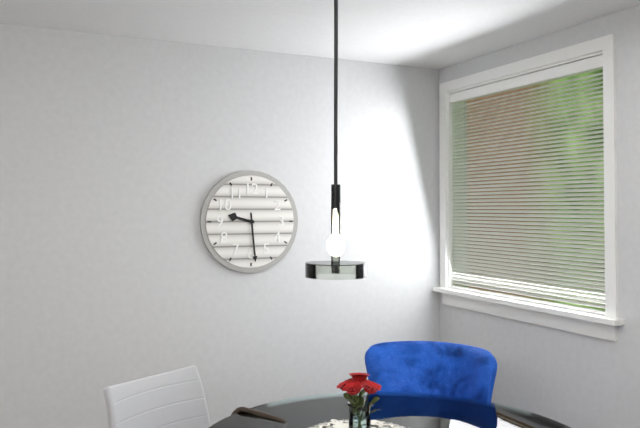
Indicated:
h=9 m=29
